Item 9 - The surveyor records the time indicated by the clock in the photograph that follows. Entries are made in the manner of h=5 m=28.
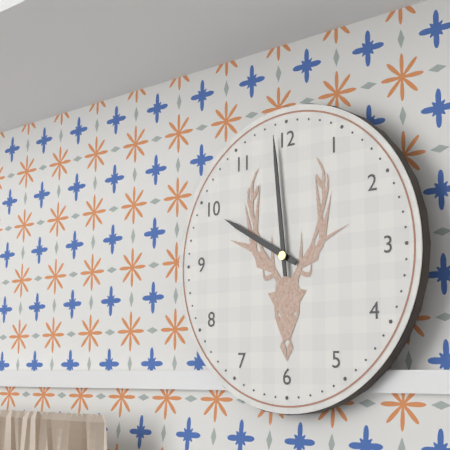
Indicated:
h=9 m=59
